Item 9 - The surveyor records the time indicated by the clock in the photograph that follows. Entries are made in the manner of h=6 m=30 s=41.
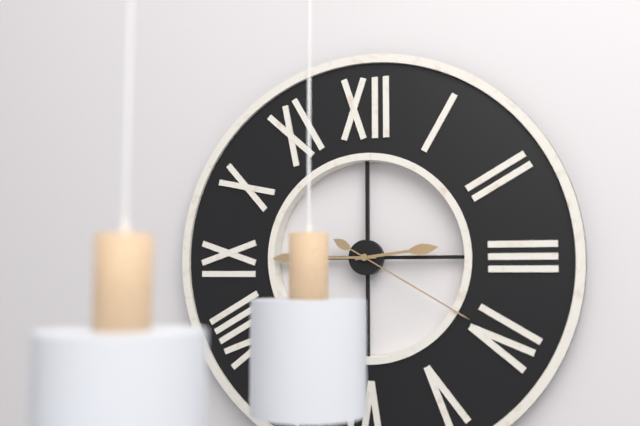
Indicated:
h=2 m=45 s=20
